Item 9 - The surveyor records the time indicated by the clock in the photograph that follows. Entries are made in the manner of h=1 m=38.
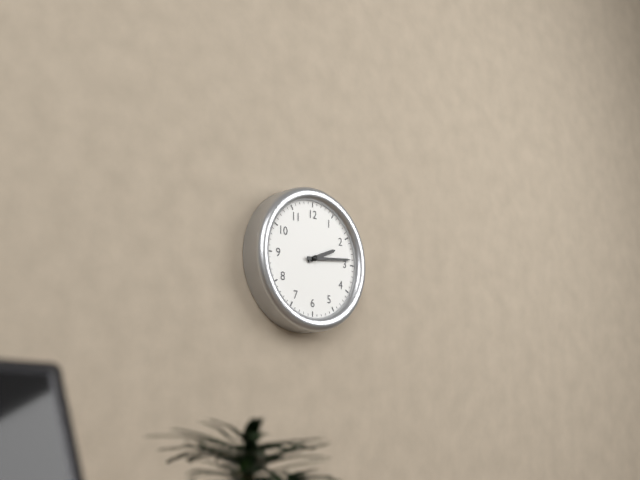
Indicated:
h=2 m=14
